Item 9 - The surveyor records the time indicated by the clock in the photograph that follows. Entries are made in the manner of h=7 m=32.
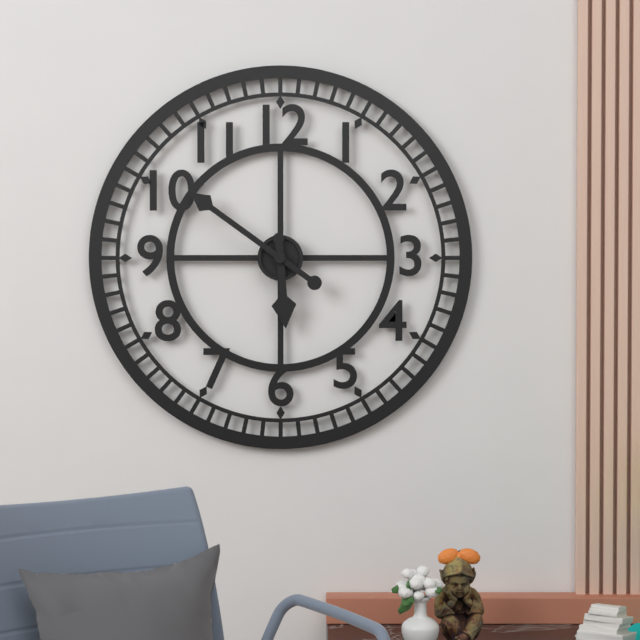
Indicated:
h=5 m=51
